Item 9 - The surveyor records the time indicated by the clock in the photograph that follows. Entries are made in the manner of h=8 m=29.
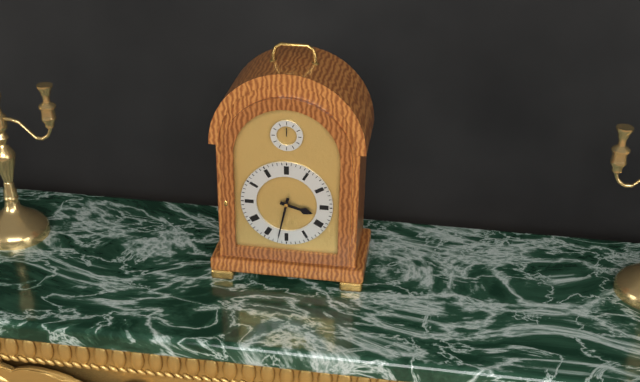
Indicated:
h=3 m=32
